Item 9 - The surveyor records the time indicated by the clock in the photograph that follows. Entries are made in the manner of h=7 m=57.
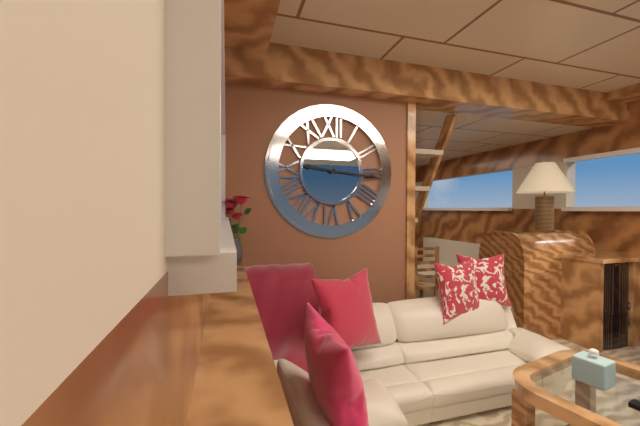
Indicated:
h=9 m=16
